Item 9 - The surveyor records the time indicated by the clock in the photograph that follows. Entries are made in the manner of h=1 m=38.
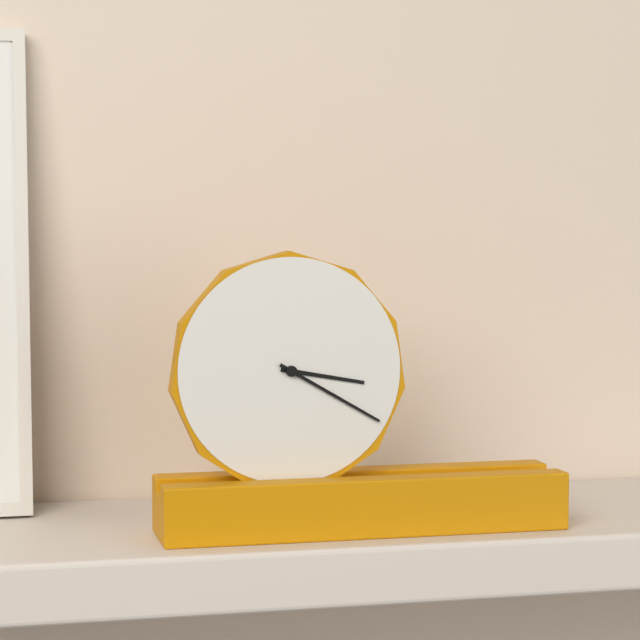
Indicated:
h=3 m=20
